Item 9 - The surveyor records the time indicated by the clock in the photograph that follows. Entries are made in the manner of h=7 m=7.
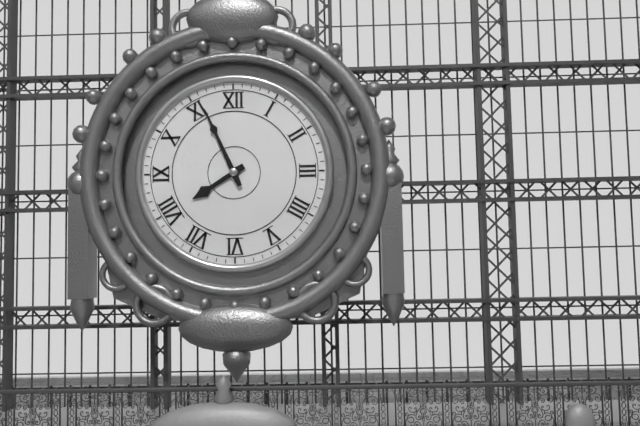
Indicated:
h=7 m=56
